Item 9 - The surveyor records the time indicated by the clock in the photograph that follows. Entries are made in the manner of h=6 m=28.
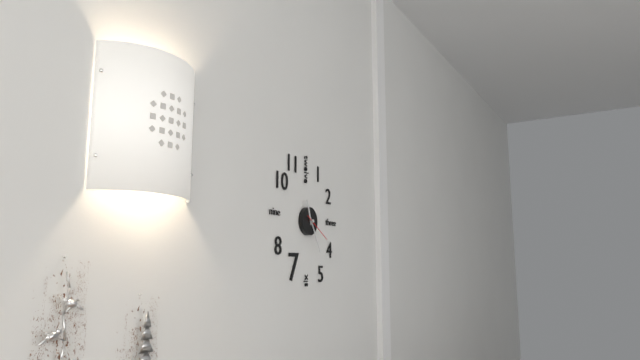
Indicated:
h=11 m=25
